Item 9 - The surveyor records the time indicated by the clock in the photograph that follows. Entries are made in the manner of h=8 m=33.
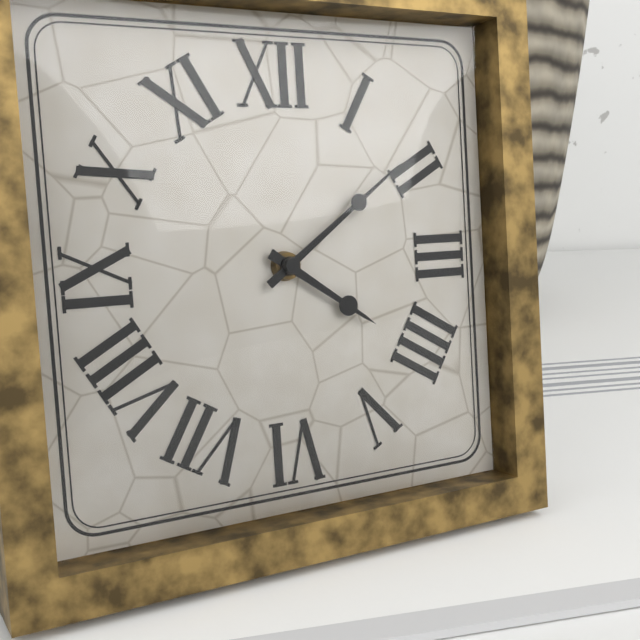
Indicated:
h=4 m=9
